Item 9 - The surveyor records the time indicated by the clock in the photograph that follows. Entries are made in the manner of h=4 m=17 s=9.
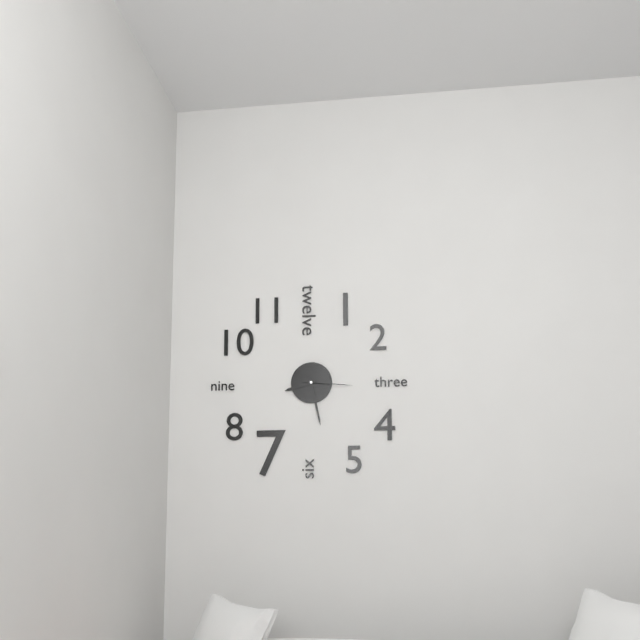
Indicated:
h=8 m=28 s=16
